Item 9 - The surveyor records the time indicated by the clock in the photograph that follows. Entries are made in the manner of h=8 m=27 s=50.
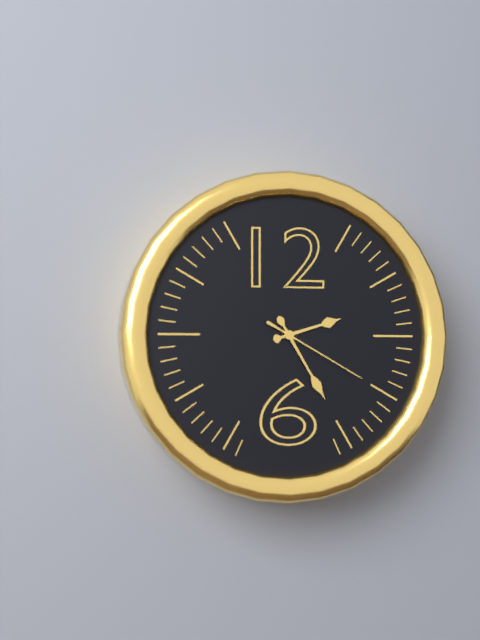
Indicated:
h=2 m=25 s=20
